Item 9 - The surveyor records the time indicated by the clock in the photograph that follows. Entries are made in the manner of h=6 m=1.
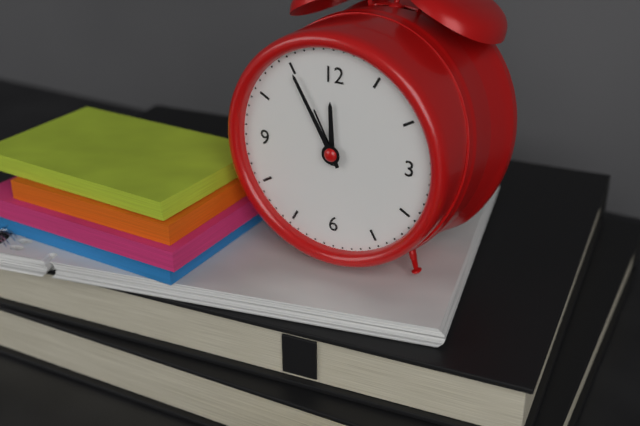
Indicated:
h=11 m=55
